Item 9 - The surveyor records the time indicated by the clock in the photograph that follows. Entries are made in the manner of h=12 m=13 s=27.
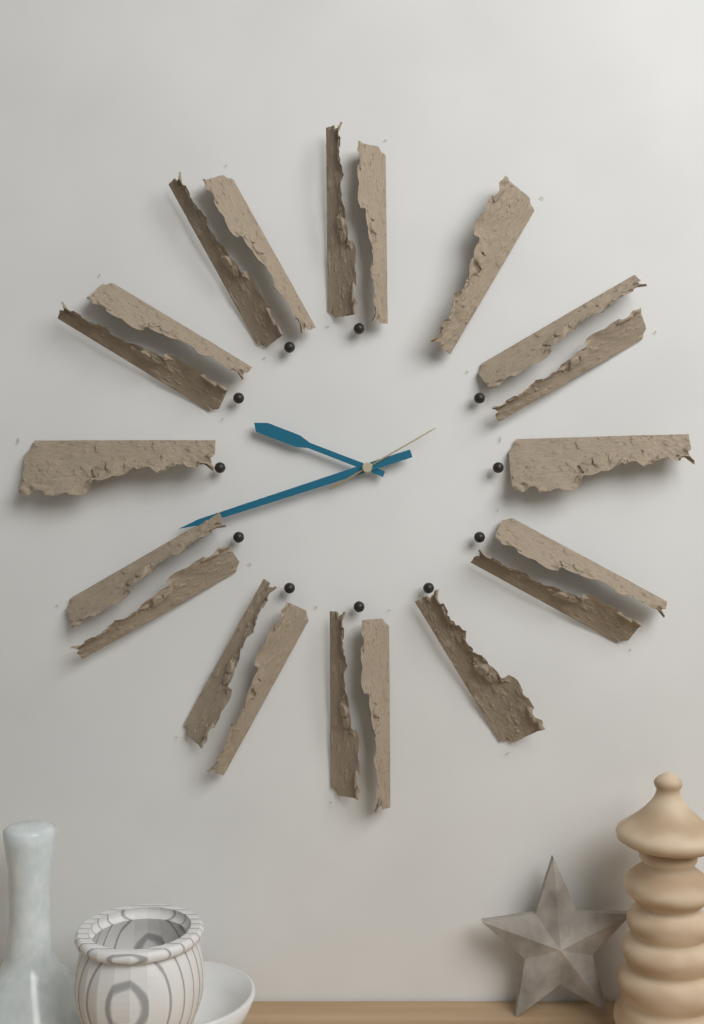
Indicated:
h=9 m=42 s=10
